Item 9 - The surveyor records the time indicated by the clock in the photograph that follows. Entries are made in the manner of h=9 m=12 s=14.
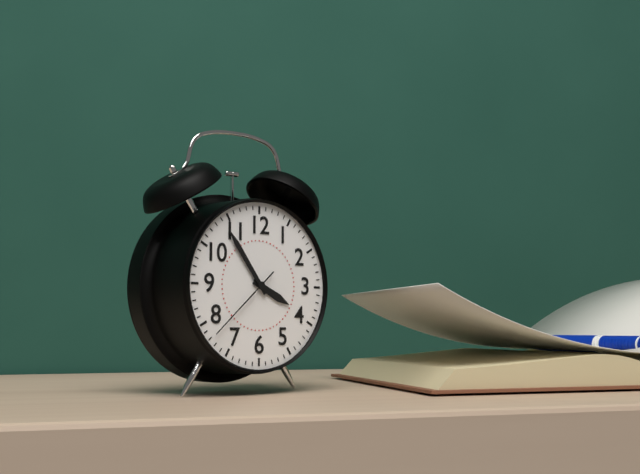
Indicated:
h=3 m=54 s=38
